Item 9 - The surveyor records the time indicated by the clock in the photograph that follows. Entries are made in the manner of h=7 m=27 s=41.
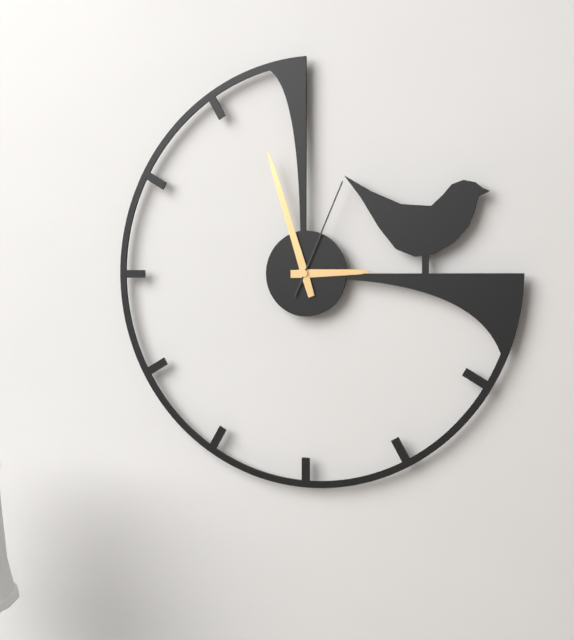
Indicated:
h=2 m=57 s=4
